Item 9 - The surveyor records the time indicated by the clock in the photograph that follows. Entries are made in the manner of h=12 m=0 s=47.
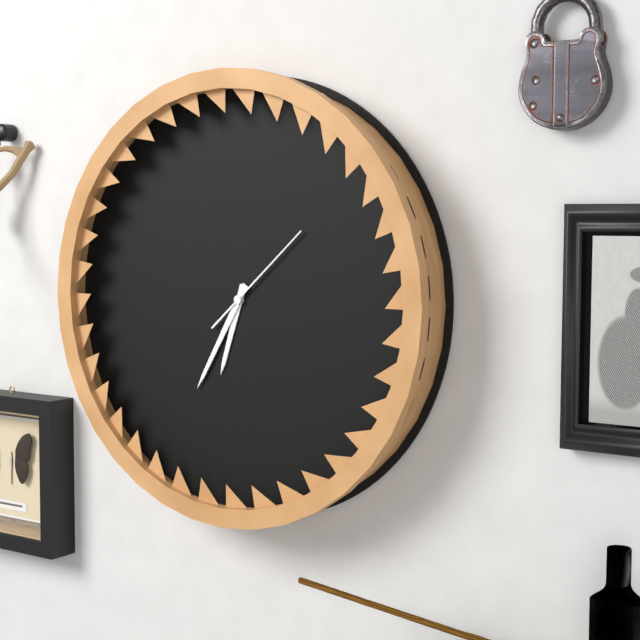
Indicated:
h=6 m=35 s=8
